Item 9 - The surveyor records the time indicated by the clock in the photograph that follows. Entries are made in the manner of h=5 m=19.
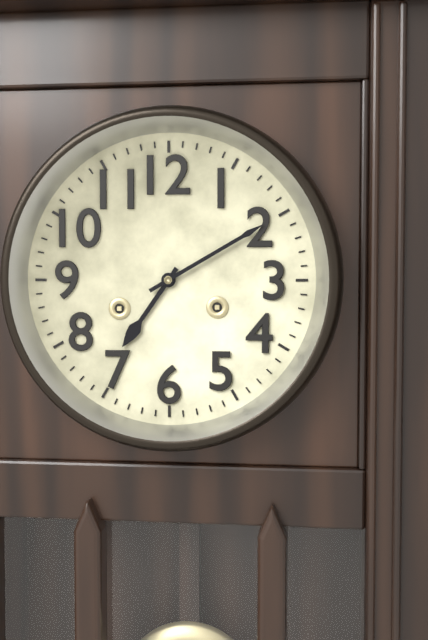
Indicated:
h=7 m=10
